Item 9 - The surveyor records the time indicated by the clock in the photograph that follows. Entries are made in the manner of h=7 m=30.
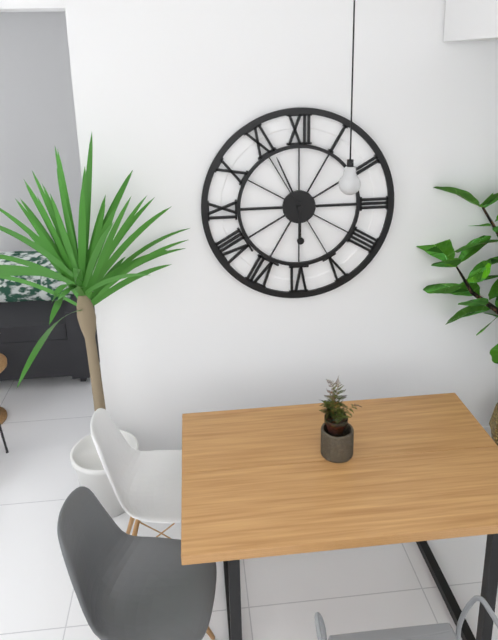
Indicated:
h=5 m=56
